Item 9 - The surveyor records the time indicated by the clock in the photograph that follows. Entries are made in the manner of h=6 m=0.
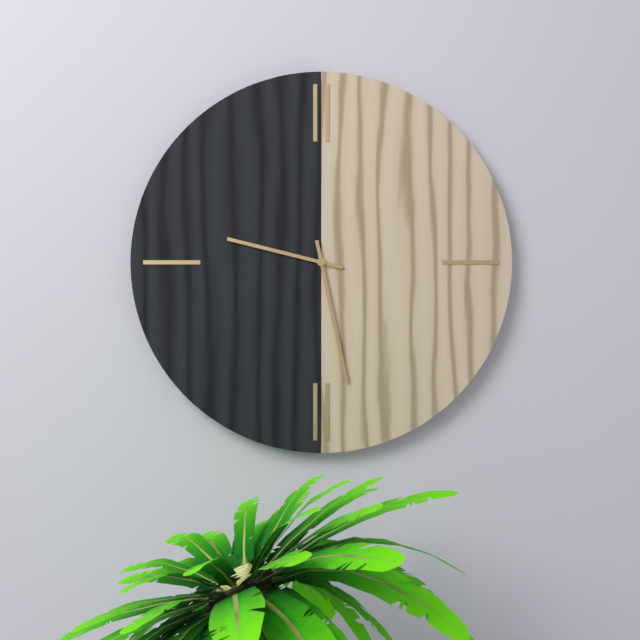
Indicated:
h=9 m=28
